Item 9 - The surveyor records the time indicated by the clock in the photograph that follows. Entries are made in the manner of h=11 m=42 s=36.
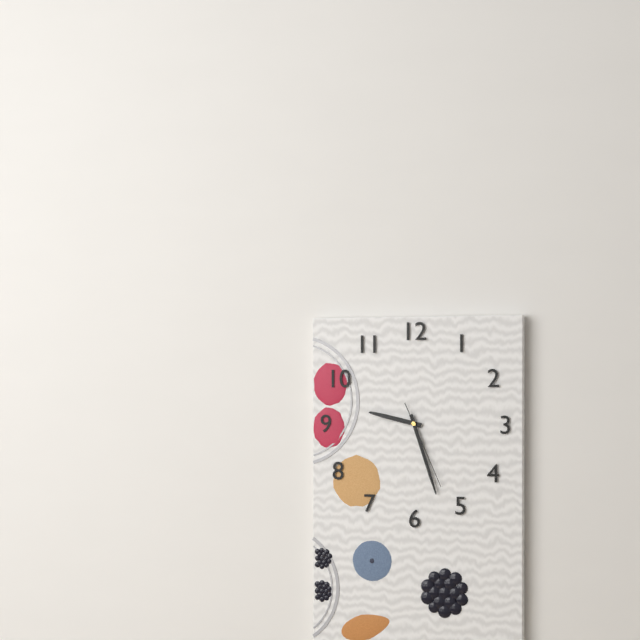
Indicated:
h=9 m=27 s=26
